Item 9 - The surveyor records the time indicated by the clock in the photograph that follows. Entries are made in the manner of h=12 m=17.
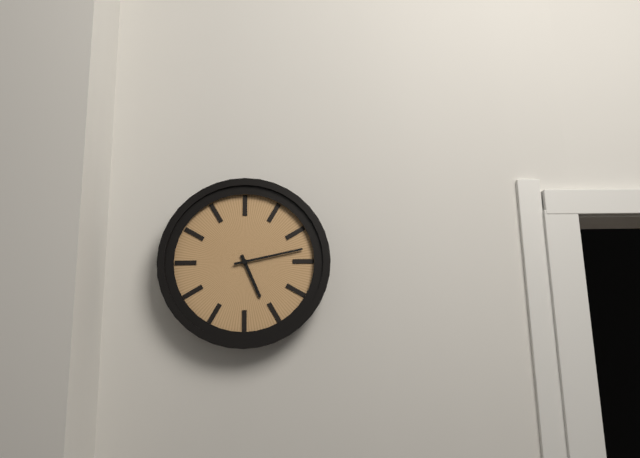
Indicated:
h=5 m=13
